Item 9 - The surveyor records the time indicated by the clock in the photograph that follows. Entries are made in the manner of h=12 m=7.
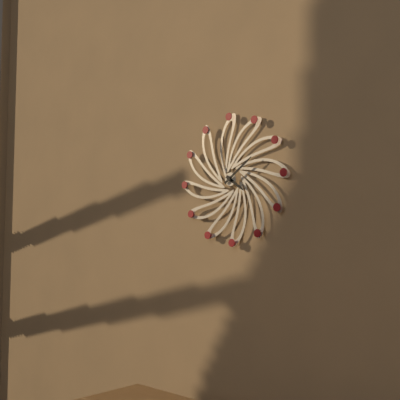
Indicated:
h=4 m=9
